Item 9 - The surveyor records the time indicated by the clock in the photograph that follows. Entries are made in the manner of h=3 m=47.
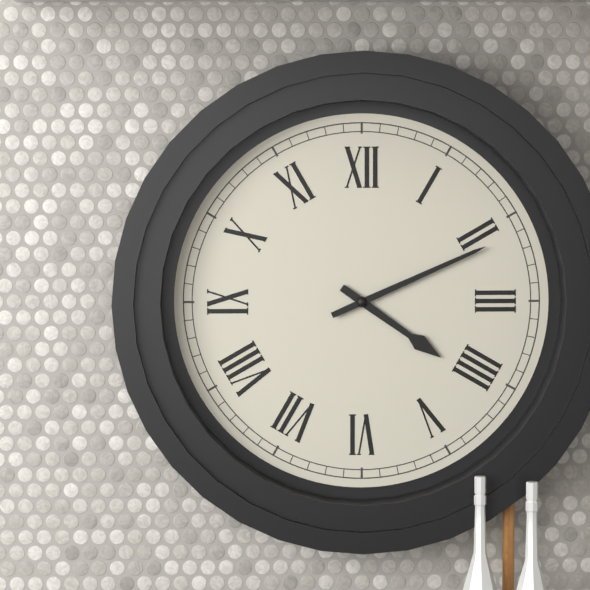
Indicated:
h=4 m=11
